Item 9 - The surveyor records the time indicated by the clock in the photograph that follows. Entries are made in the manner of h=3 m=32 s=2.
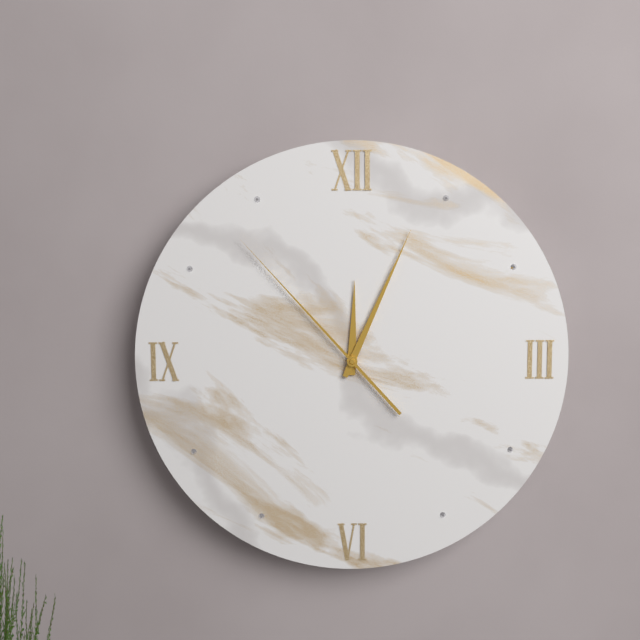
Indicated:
h=12 m=4 s=53
